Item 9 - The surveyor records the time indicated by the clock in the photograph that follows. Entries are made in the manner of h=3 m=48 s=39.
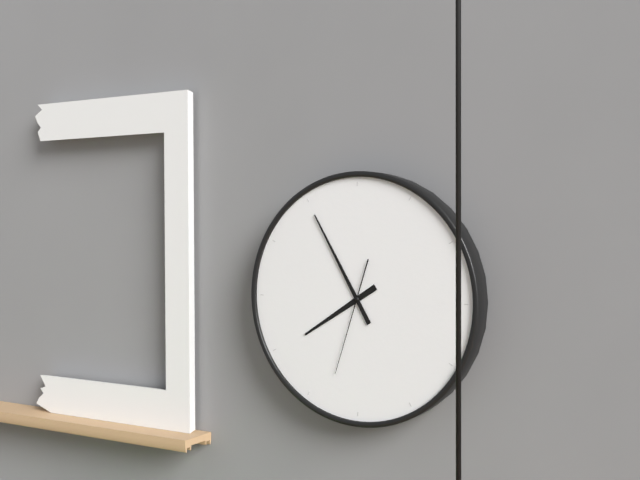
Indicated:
h=7 m=55 s=33
